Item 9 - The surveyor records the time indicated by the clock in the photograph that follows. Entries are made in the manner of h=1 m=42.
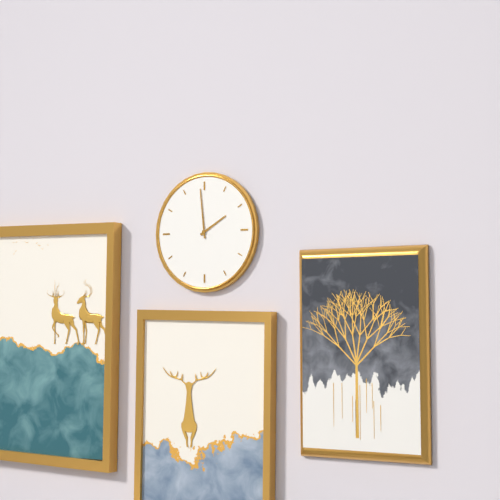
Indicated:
h=1 m=59
